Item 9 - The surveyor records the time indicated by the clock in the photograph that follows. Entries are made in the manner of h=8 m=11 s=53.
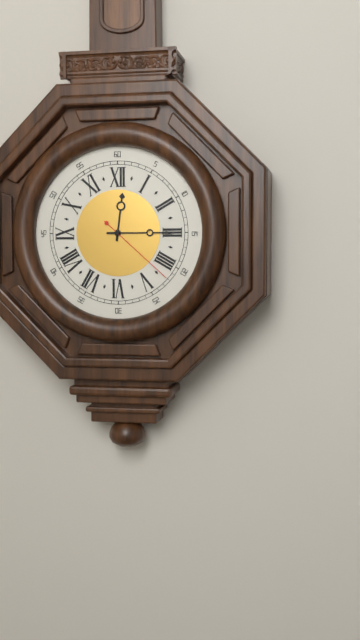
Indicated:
h=12 m=15 s=22
